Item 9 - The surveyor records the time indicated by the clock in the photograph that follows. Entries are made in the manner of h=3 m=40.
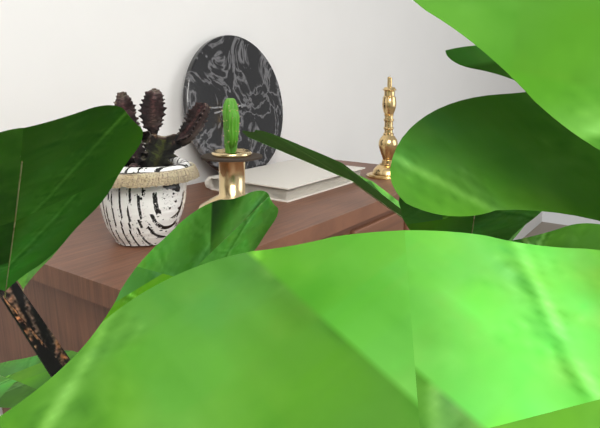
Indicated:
h=8 m=45
